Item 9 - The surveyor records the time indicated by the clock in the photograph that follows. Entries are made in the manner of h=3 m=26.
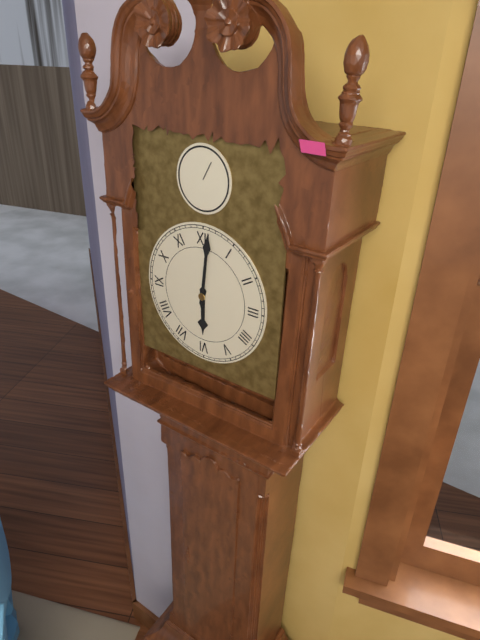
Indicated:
h=6 m=1
